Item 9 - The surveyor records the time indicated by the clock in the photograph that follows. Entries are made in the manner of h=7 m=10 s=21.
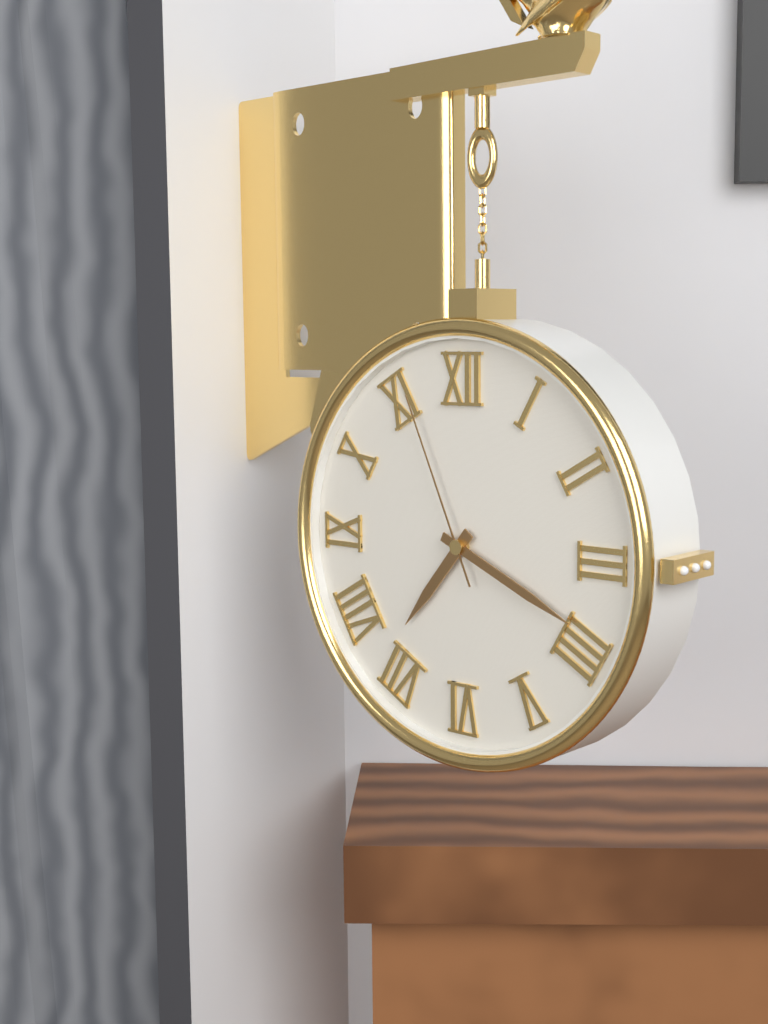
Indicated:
h=7 m=19 s=56
